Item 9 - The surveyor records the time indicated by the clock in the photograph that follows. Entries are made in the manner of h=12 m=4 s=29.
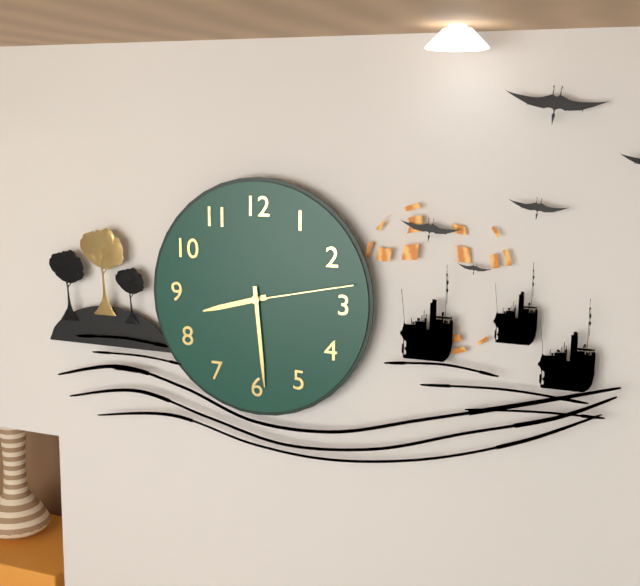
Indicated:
h=8 m=29 s=13
